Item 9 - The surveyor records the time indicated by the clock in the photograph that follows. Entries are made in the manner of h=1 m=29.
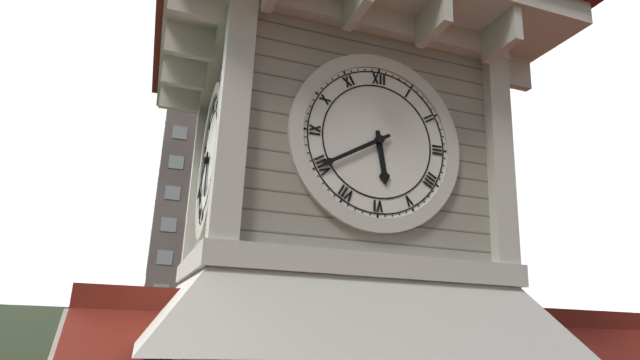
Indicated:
h=5 m=40
